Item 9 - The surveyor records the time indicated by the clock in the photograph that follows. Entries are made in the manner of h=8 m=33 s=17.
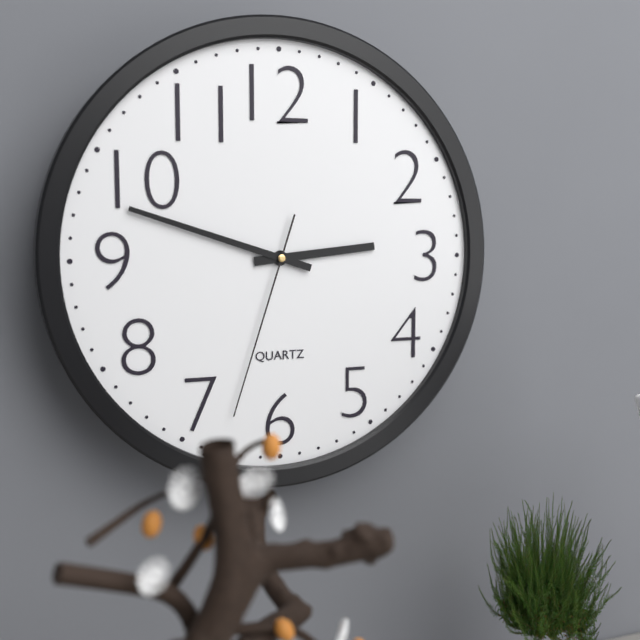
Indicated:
h=2 m=48 s=33
